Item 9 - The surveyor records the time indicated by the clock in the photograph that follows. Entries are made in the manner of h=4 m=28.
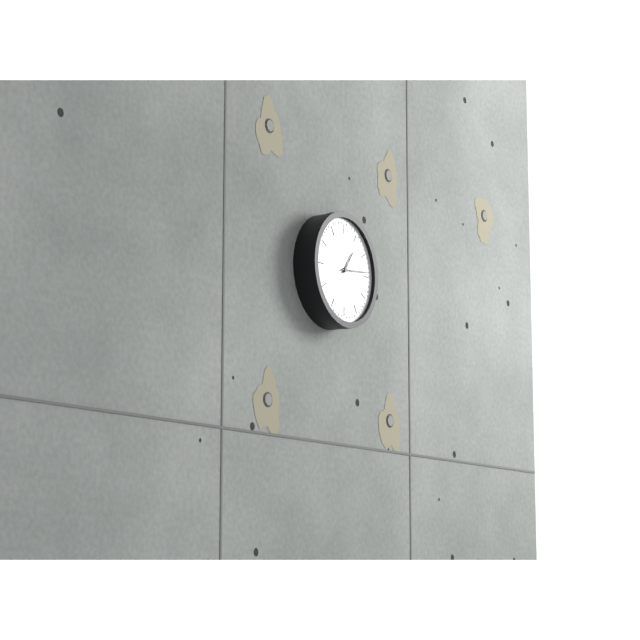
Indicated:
h=1 m=14
